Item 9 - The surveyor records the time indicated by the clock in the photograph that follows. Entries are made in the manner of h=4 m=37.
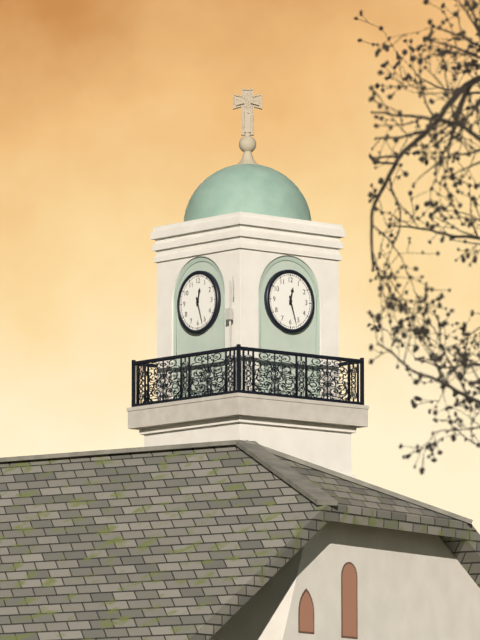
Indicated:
h=12 m=27
